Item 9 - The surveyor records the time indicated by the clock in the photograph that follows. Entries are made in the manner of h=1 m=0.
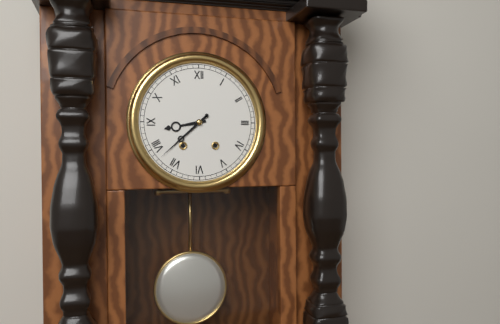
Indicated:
h=8 m=38
